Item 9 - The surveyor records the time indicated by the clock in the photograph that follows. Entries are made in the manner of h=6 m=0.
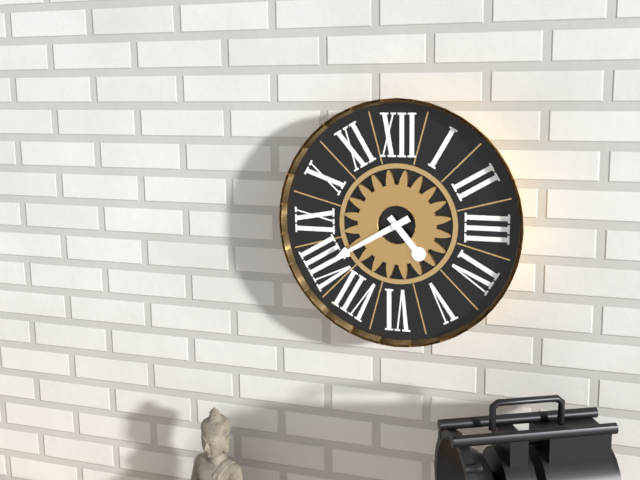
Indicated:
h=4 m=40
